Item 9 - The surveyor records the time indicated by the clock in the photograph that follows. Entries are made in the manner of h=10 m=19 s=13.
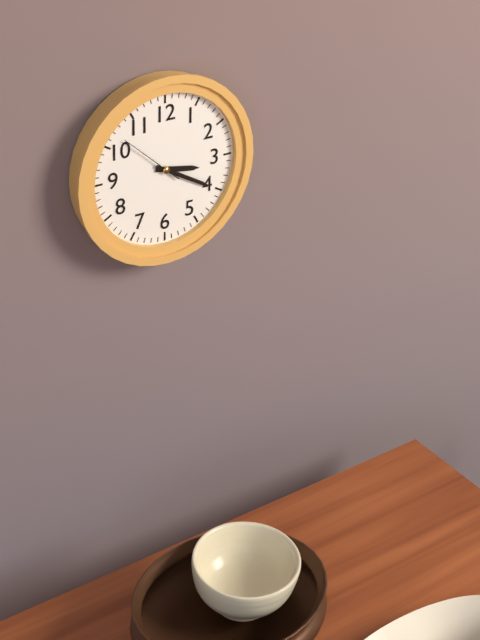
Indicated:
h=3 m=20 s=52
